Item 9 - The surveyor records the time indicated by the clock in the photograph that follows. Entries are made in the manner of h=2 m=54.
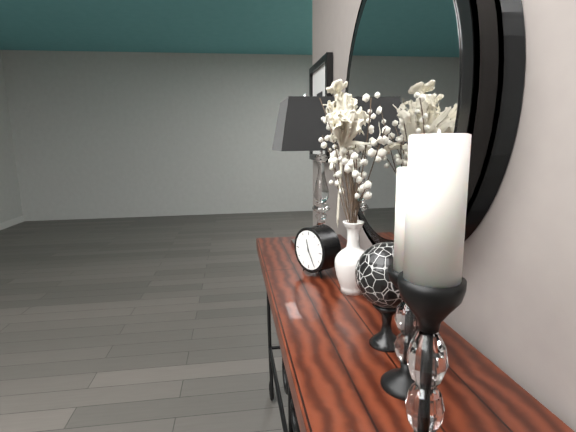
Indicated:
h=11 m=25
